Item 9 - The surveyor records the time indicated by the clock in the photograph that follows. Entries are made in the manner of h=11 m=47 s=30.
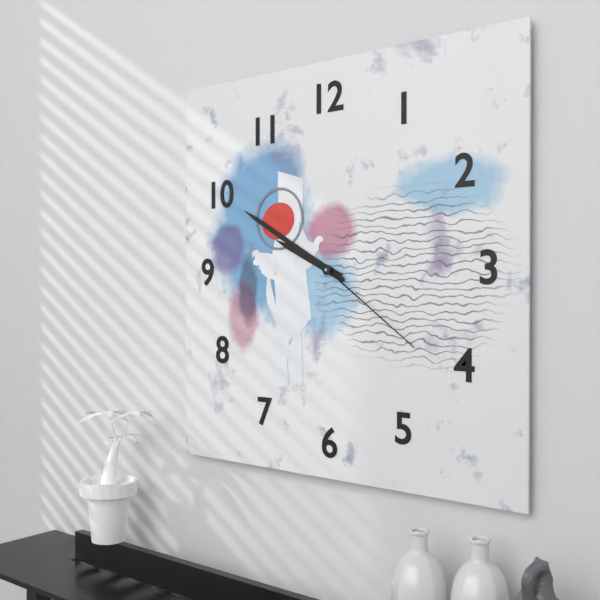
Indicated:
h=9 m=50 s=21
